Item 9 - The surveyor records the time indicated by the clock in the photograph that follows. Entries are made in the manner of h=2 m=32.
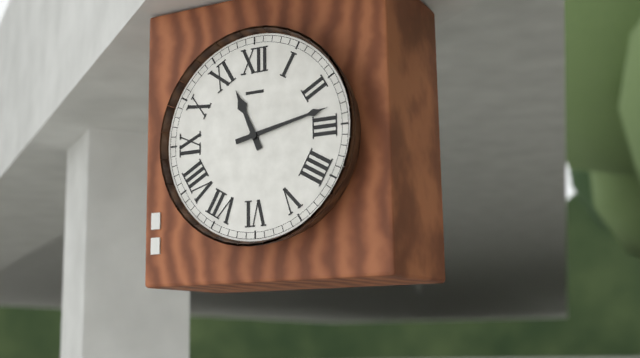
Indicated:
h=11 m=13
